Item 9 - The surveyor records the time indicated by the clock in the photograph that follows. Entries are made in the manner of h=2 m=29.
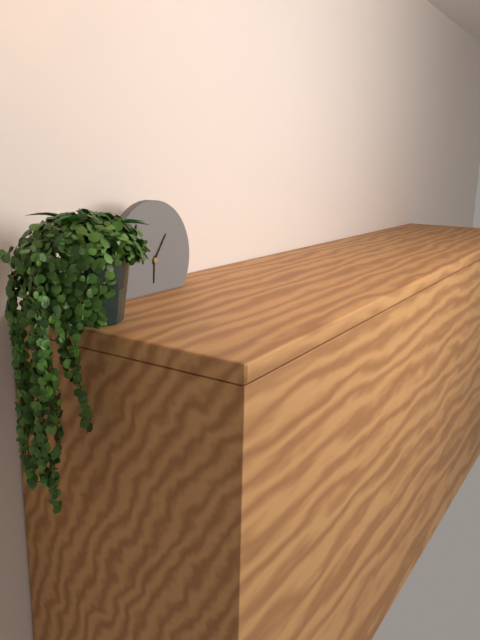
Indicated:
h=6 m=6
